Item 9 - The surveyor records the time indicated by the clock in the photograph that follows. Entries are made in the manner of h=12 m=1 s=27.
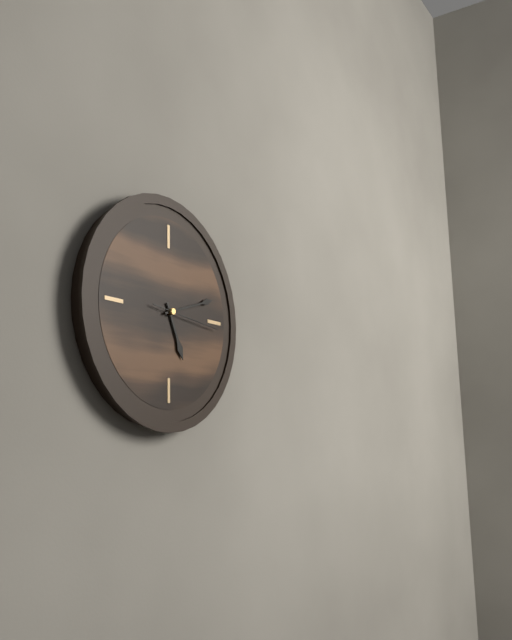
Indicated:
h=5 m=12 s=16
